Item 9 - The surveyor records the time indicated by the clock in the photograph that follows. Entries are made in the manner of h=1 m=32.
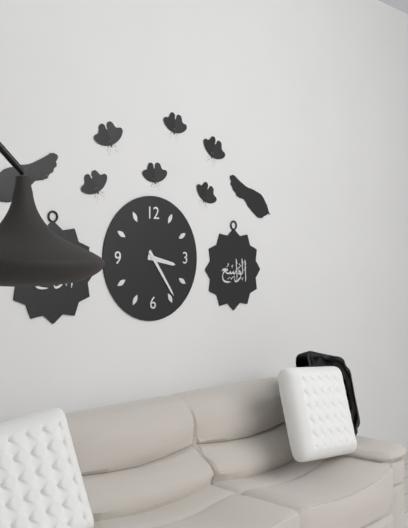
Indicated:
h=3 m=24
